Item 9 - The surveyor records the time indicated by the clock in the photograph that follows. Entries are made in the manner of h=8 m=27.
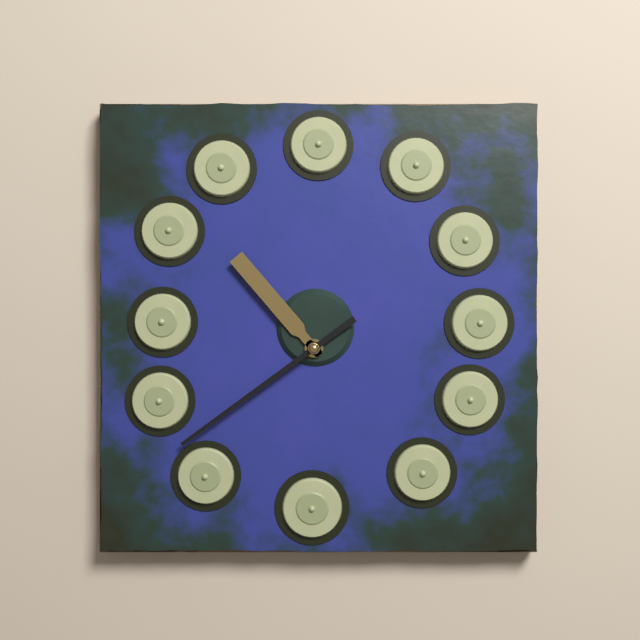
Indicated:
h=10 m=39
